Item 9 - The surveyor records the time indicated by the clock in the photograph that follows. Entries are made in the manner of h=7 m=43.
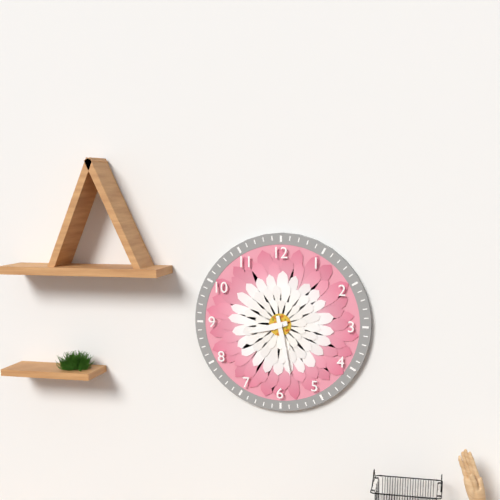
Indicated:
h=8 m=28
